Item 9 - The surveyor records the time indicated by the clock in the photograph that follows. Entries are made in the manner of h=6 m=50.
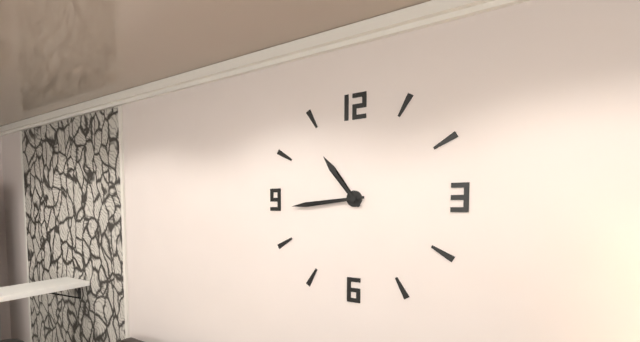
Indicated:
h=10 m=44
